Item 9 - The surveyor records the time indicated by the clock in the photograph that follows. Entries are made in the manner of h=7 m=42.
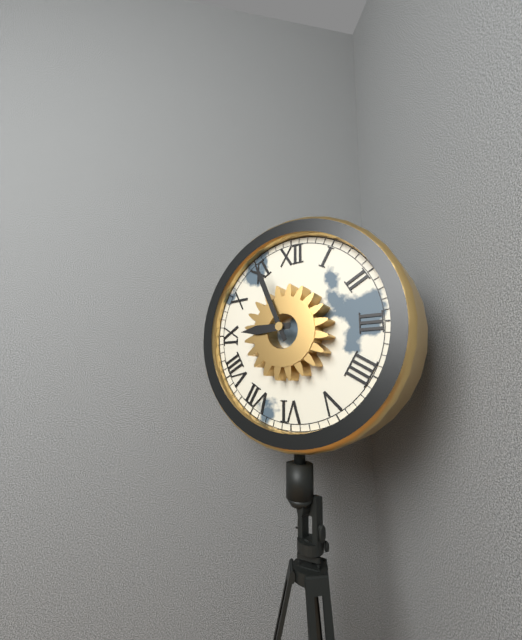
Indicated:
h=8 m=56
